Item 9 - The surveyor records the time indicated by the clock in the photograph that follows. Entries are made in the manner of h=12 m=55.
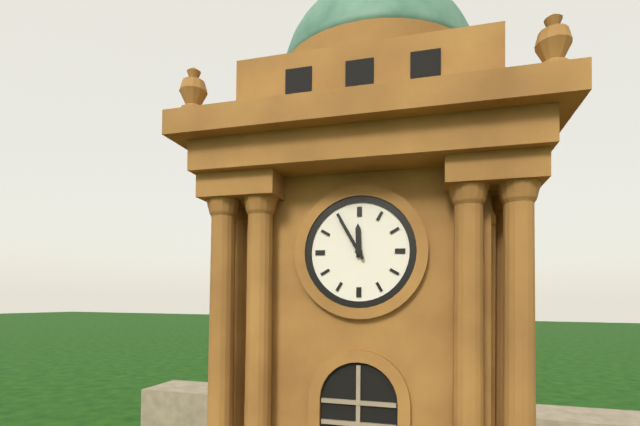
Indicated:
h=11 m=55
